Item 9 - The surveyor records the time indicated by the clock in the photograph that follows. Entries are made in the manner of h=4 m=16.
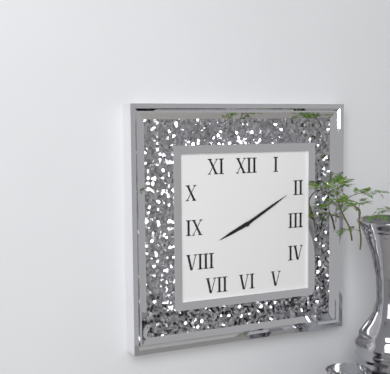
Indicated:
h=8 m=10
